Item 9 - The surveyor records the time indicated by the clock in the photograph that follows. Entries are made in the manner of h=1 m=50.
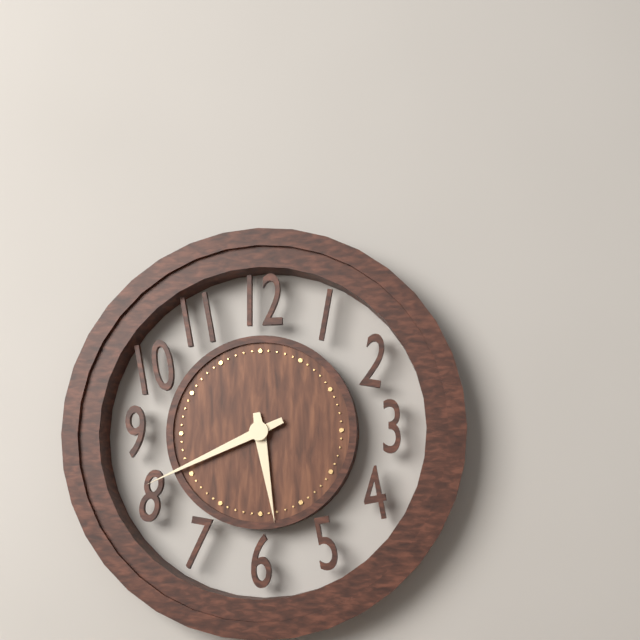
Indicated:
h=5 m=41
